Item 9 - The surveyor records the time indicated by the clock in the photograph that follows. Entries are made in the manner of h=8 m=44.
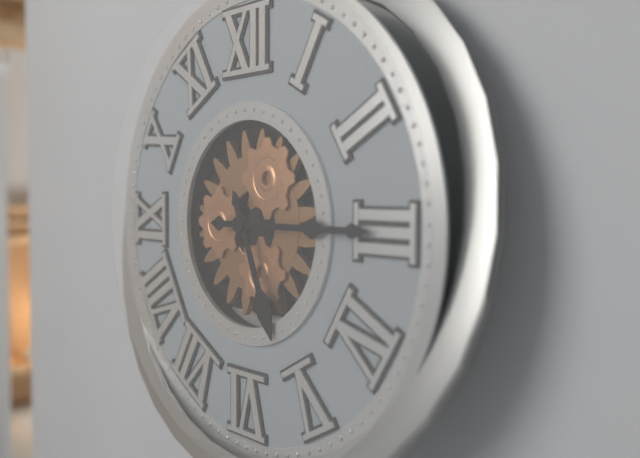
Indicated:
h=5 m=15
